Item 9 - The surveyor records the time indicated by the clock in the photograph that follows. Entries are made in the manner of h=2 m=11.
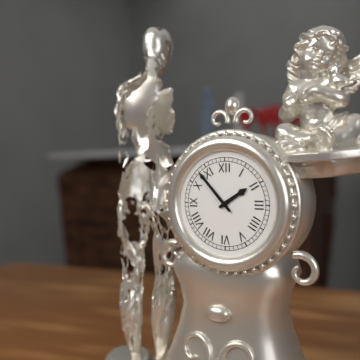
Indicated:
h=1 m=53
